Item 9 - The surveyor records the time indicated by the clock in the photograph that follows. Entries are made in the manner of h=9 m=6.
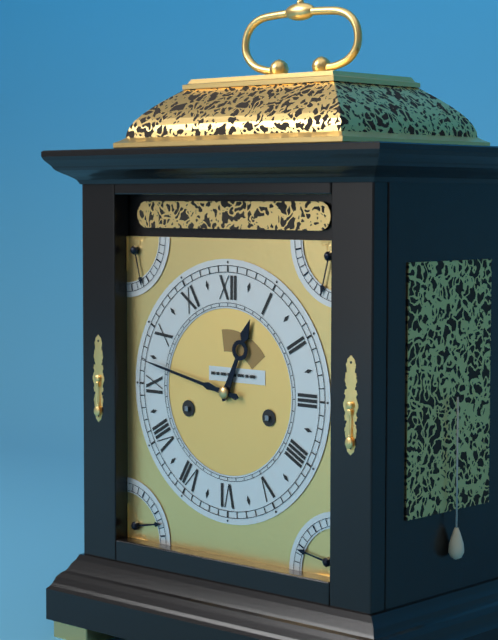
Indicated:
h=12 m=47
